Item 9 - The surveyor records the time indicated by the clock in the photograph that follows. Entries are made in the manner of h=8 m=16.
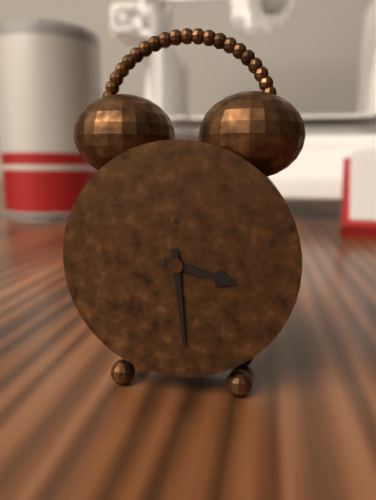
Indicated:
h=3 m=29
